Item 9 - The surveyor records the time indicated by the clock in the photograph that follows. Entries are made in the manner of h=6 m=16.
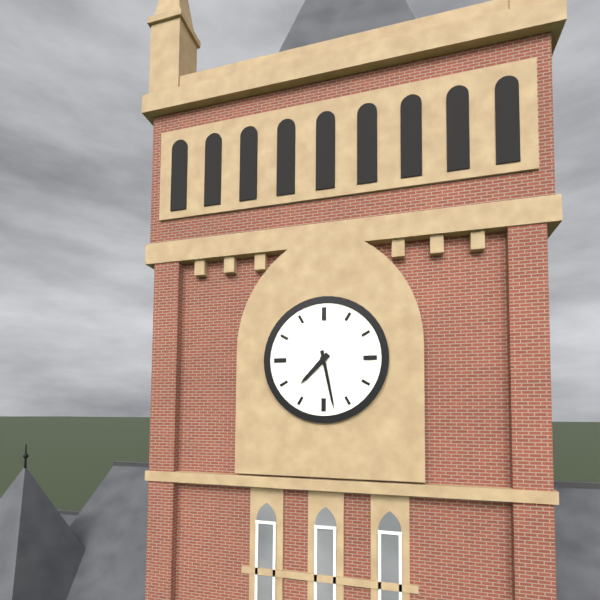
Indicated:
h=7 m=28
